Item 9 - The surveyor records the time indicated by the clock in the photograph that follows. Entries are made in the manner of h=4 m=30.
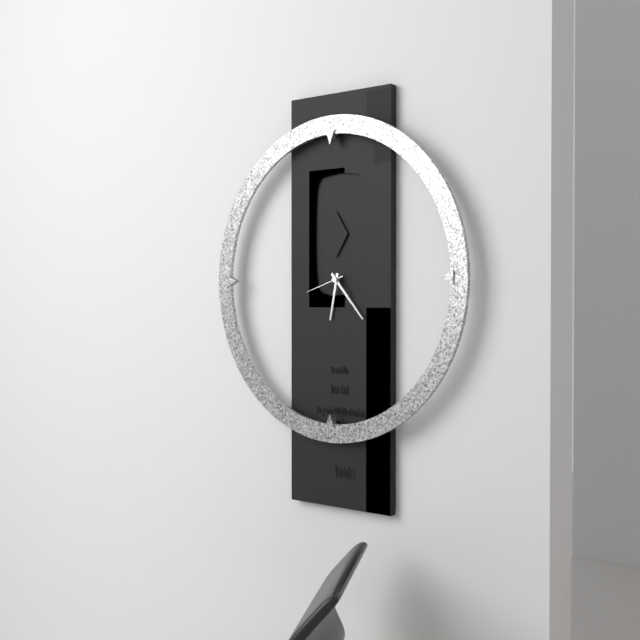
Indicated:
h=6 m=23
